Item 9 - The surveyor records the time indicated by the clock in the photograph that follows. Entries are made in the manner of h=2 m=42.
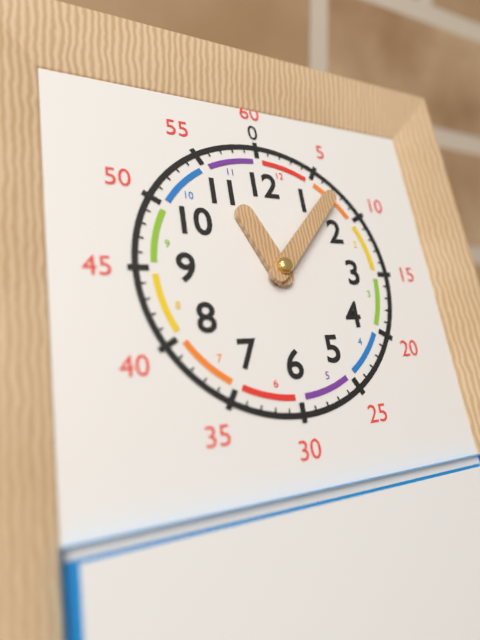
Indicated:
h=11 m=7
